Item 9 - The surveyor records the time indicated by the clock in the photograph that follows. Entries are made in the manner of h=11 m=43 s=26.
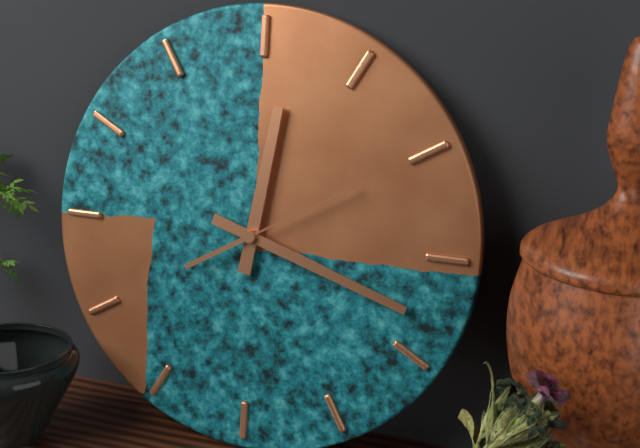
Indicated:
h=12 m=18 s=10
